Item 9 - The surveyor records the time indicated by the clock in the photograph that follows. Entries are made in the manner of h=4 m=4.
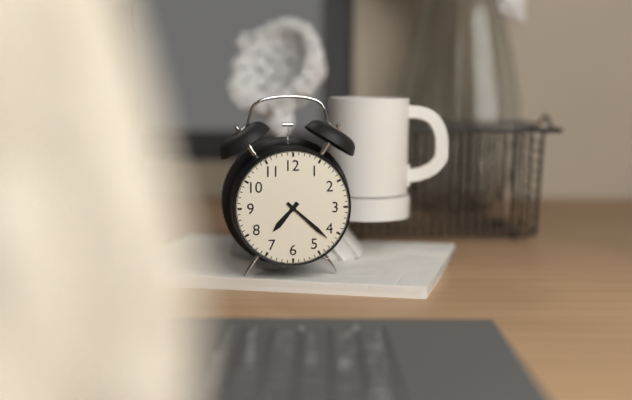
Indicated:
h=7 m=22
